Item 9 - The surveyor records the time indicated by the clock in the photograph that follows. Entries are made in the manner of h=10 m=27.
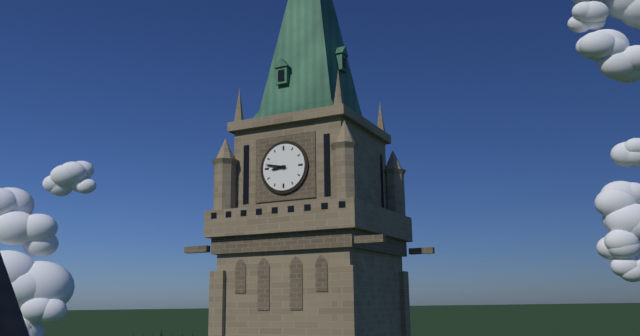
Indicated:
h=8 m=47
